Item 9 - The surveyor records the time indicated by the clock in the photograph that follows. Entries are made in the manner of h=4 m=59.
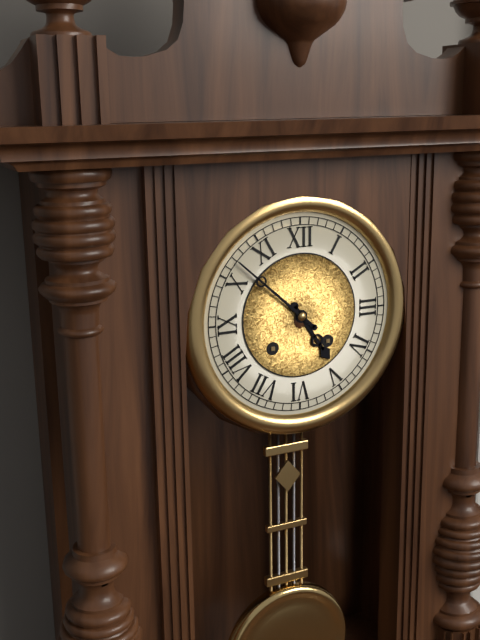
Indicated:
h=4 m=52
